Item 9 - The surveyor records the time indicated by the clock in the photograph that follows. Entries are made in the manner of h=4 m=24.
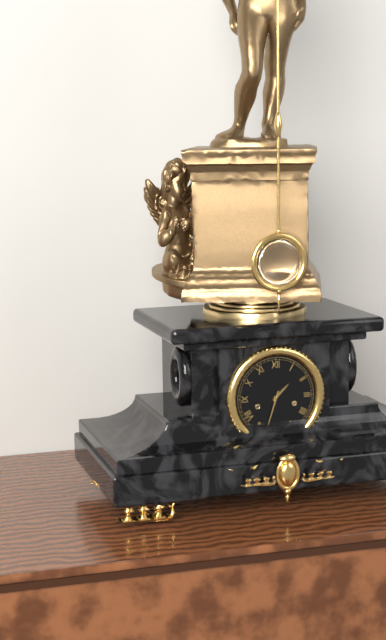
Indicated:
h=1 m=33
